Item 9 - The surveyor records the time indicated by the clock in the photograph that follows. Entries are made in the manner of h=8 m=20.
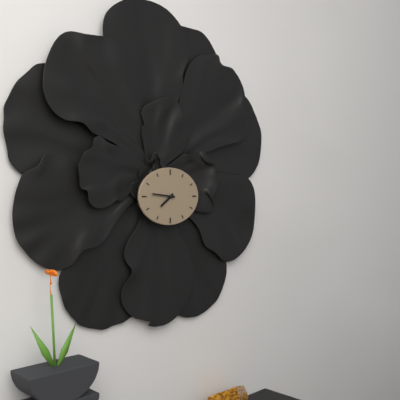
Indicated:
h=7 m=46
